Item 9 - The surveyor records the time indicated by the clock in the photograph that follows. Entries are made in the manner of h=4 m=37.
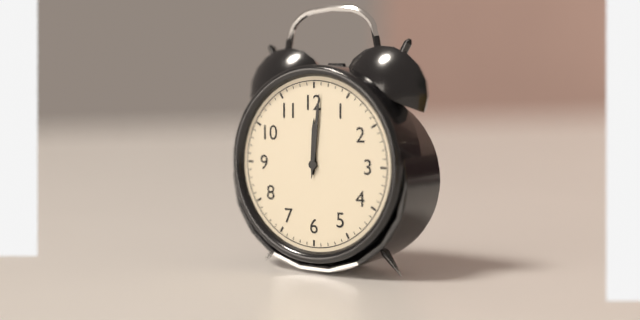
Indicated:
h=12 m=1
